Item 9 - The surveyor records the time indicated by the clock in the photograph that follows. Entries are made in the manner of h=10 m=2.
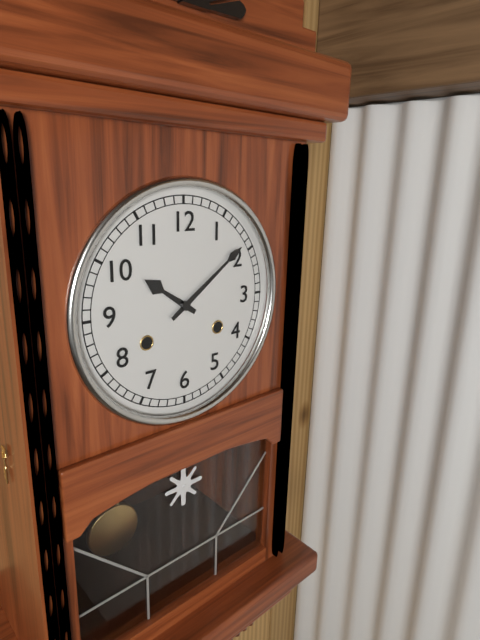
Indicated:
h=10 m=9
